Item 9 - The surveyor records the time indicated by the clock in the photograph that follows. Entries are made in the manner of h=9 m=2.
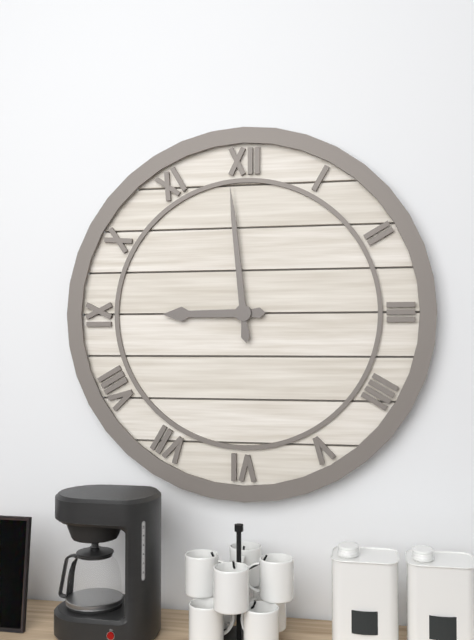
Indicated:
h=8 m=59
